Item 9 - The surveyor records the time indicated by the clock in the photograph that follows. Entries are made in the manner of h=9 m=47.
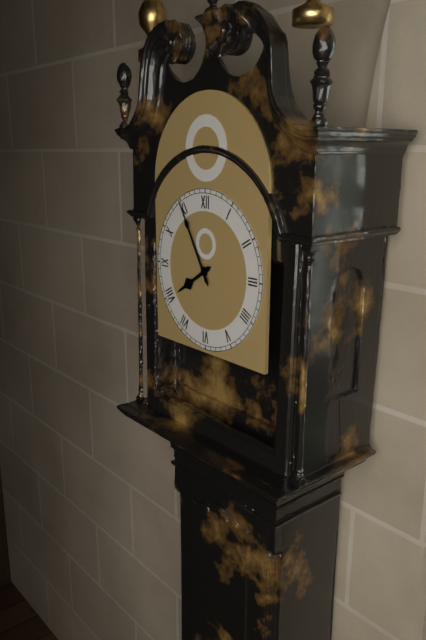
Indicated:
h=7 m=55
